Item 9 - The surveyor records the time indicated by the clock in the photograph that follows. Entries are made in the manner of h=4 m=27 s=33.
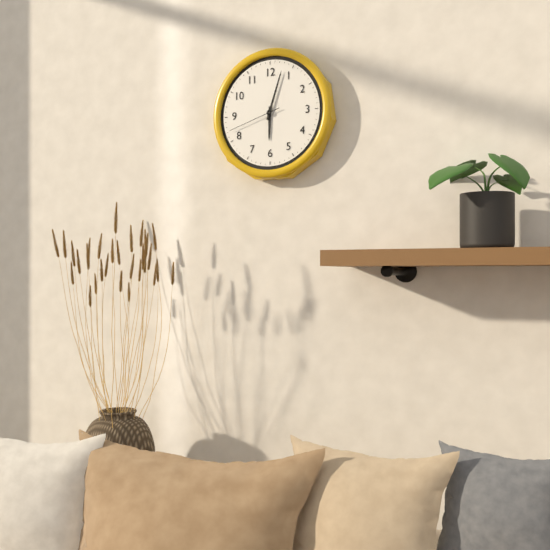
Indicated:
h=6 m=3 s=42
